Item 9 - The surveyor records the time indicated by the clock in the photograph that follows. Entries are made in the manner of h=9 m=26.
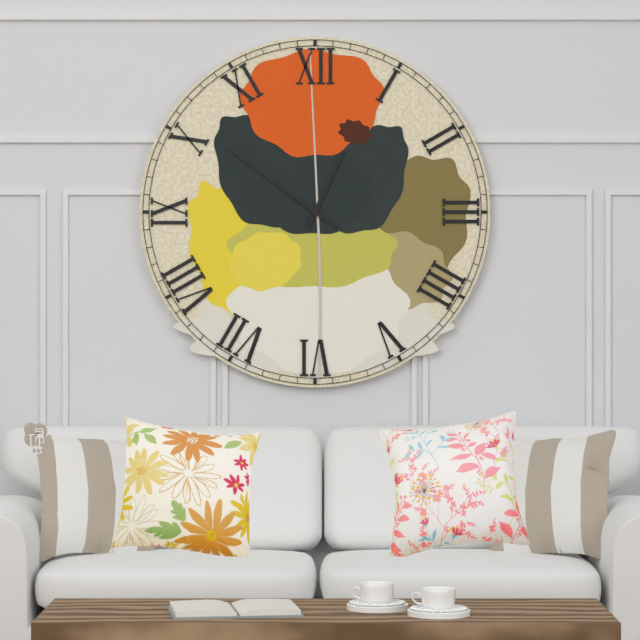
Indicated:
h=12 m=51
